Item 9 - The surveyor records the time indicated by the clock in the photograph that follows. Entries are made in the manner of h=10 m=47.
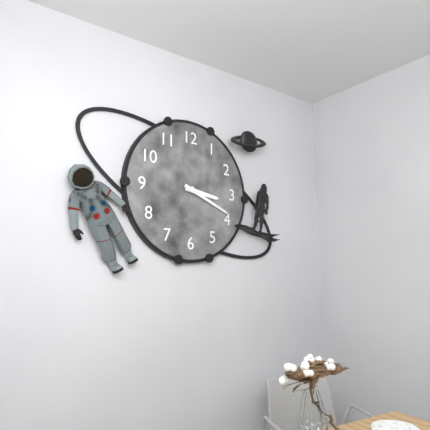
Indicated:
h=3 m=19
